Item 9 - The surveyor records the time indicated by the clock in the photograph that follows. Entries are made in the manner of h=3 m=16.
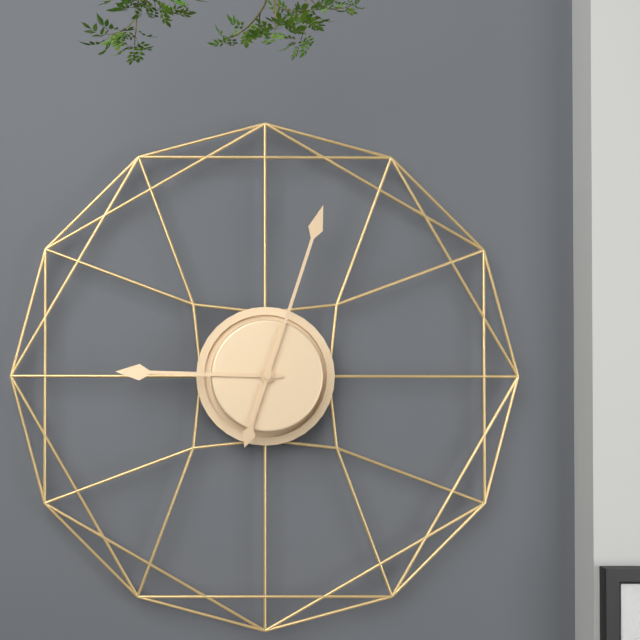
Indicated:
h=9 m=3
